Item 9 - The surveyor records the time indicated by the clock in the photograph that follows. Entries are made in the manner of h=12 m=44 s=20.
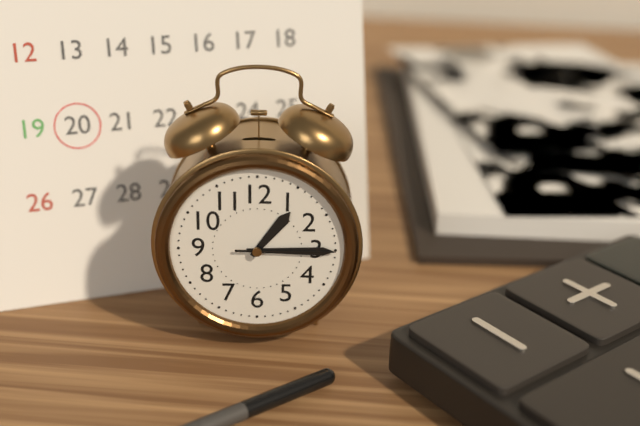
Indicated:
h=1 m=15 s=15
